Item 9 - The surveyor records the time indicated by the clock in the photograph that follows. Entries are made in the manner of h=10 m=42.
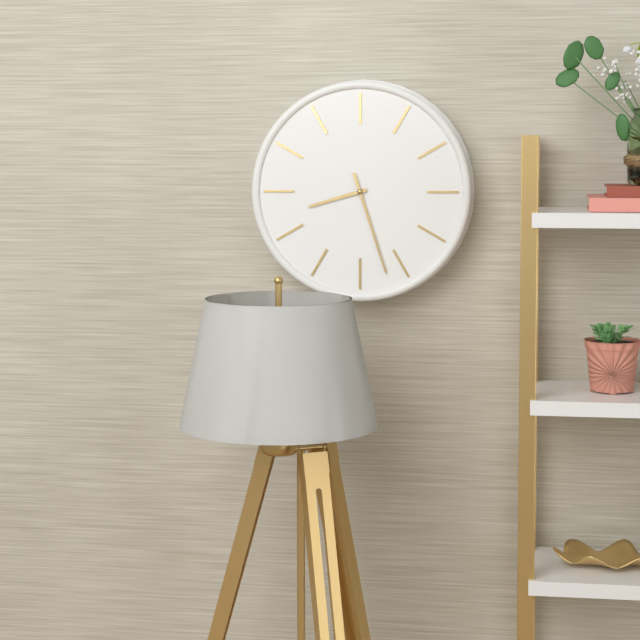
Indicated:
h=8 m=27
